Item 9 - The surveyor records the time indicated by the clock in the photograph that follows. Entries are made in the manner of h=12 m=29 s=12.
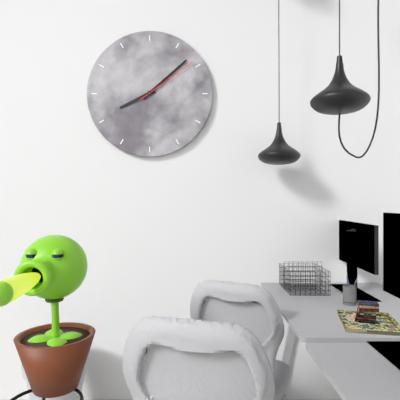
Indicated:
h=8 m=8 s=9
